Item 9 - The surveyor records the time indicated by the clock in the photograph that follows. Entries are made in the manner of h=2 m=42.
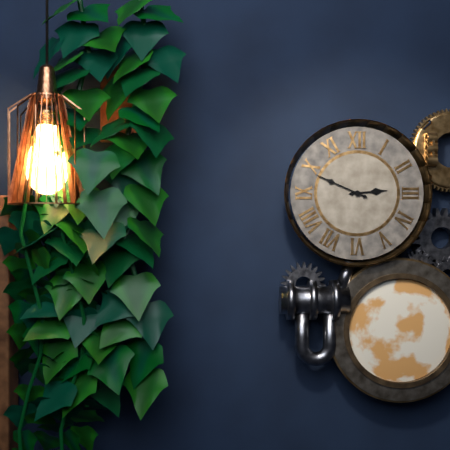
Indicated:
h=2 m=49
